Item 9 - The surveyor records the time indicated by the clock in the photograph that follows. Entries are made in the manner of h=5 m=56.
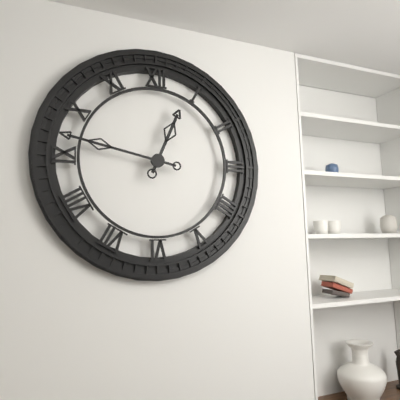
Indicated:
h=12 m=47
